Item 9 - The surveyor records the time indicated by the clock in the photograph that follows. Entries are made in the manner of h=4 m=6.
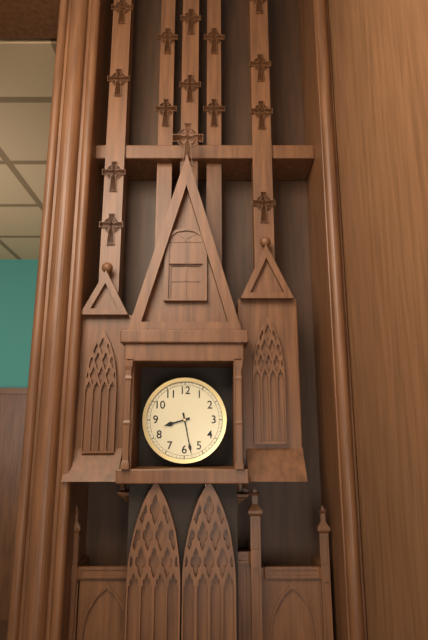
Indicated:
h=8 m=28
